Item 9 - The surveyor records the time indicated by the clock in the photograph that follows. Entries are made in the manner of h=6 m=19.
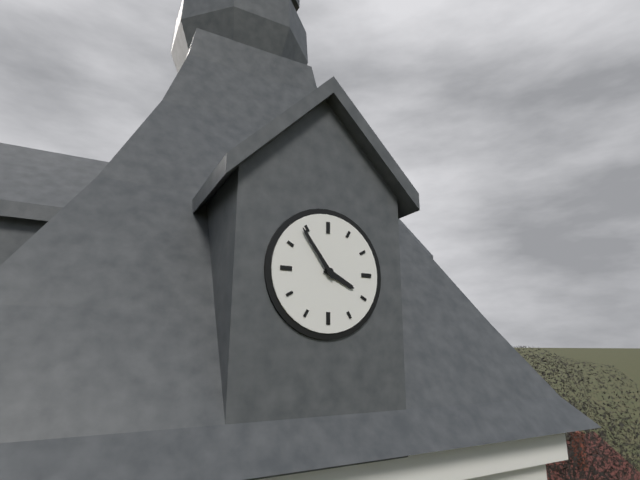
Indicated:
h=3 m=54
